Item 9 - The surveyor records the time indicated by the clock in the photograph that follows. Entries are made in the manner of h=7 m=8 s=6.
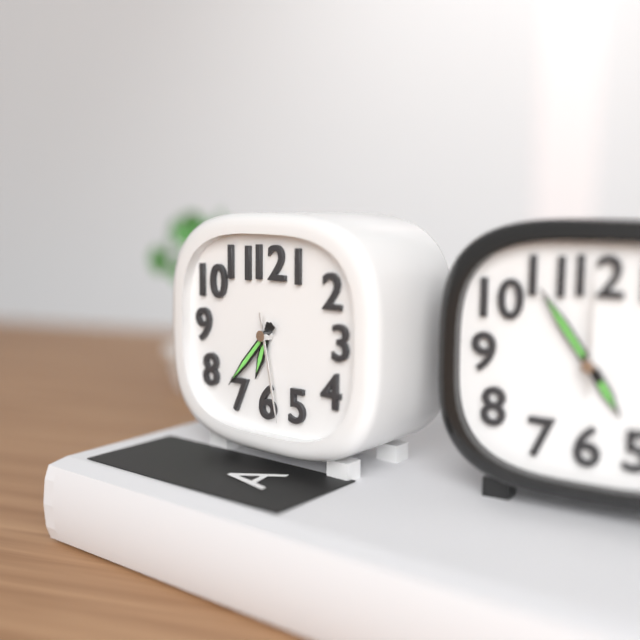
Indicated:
h=6 m=37 s=28
